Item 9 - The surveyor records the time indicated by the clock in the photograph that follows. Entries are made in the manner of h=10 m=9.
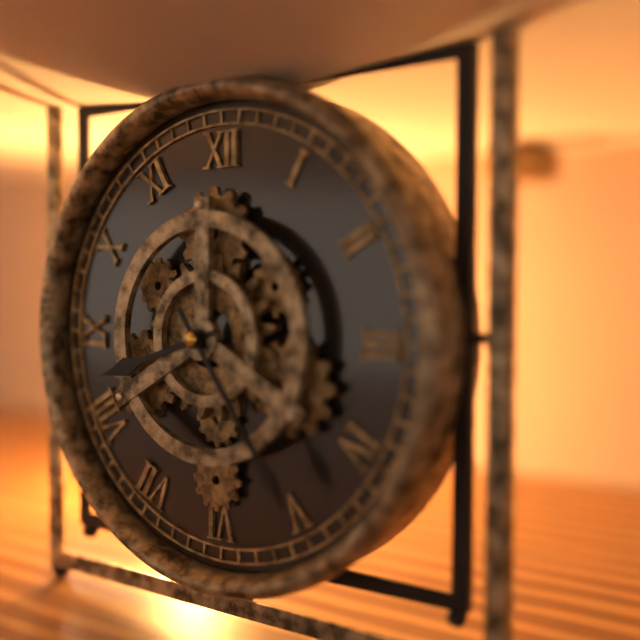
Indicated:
h=8 m=24
